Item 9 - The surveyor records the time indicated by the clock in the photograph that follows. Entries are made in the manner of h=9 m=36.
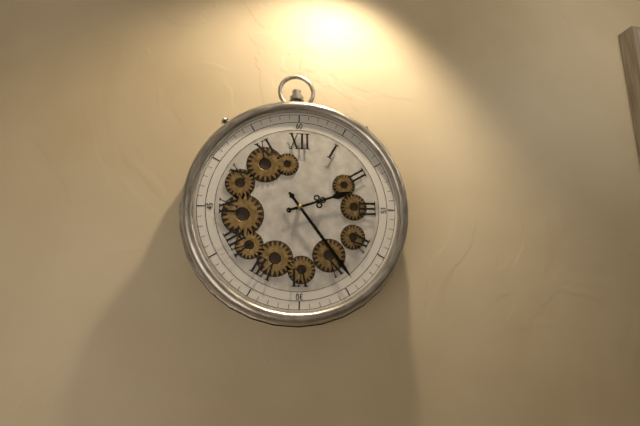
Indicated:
h=2 m=24
